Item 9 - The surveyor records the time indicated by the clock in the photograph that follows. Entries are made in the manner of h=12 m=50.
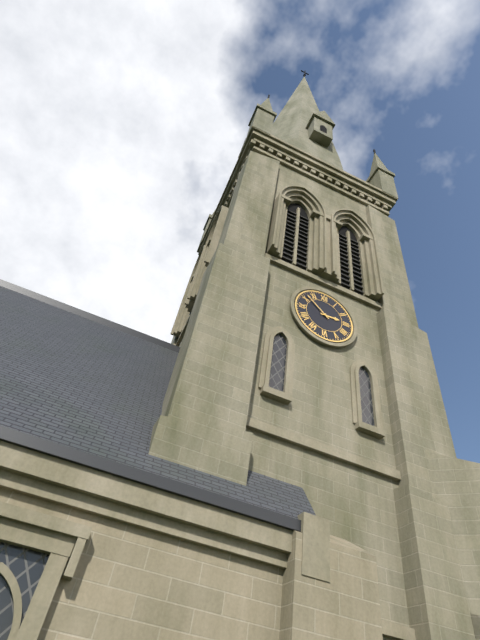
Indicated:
h=2 m=52
